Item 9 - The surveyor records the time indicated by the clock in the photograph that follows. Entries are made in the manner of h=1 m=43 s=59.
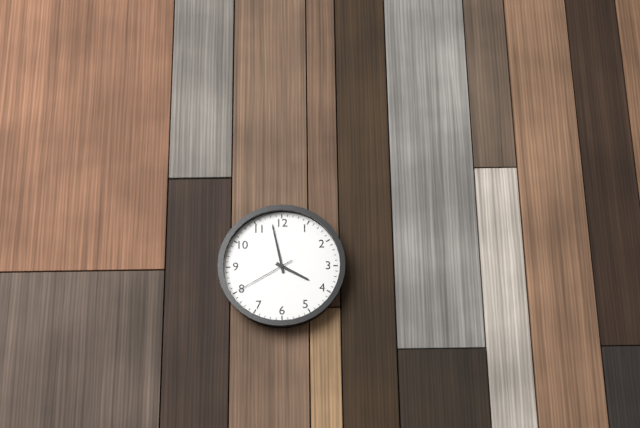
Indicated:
h=3 m=58 s=40
